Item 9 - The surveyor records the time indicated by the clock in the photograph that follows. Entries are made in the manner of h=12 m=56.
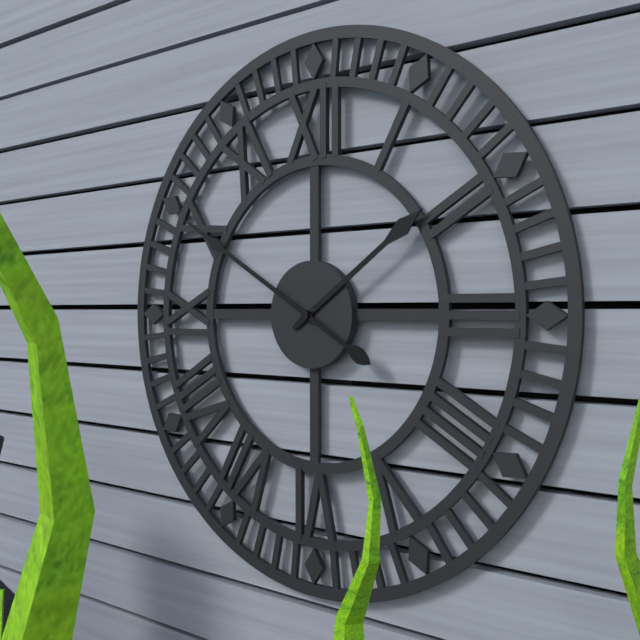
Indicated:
h=1 m=50
